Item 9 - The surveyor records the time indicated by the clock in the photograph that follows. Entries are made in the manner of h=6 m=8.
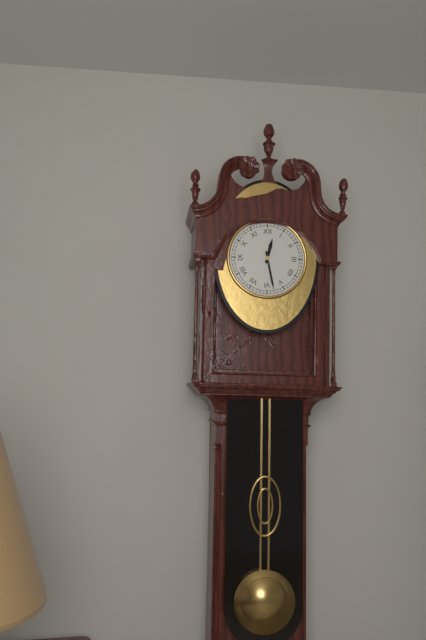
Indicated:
h=12 m=28
